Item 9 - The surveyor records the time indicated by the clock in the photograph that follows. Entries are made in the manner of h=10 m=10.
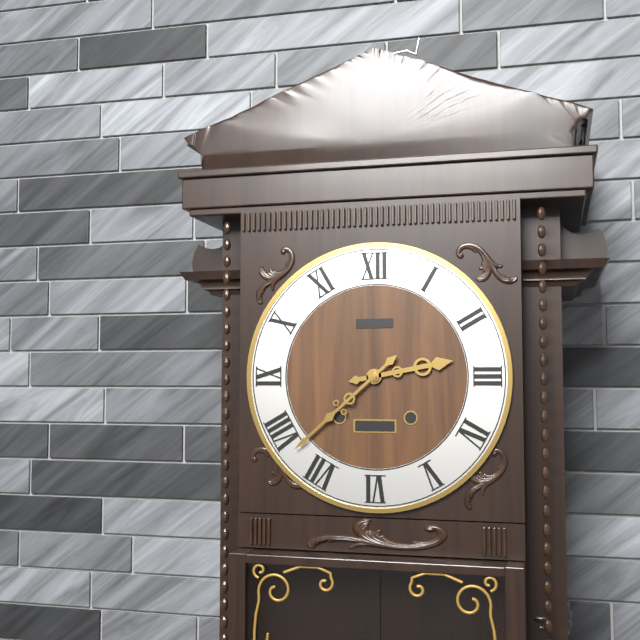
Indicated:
h=2 m=38
